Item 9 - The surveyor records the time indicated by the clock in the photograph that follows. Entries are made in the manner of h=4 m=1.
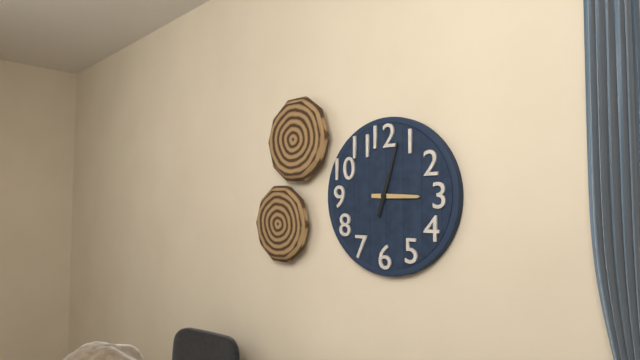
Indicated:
h=3 m=3
